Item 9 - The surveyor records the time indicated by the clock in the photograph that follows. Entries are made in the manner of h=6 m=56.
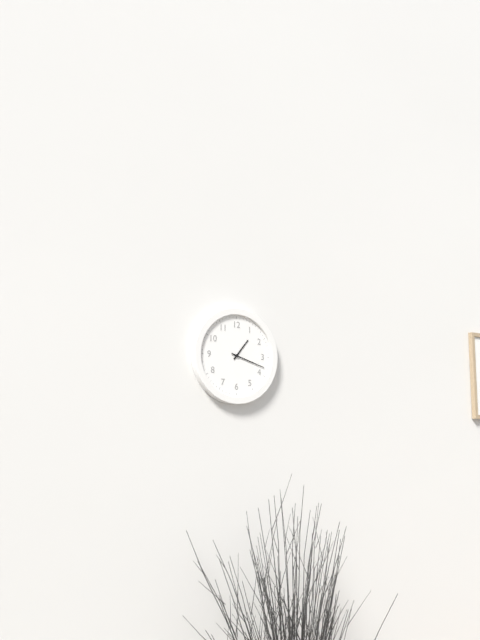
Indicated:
h=1 m=18
